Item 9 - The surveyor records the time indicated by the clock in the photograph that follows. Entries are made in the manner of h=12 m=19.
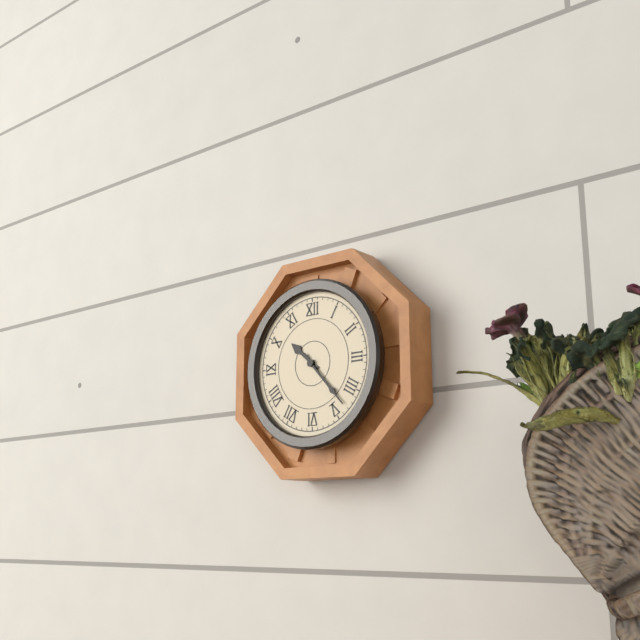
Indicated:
h=10 m=23
